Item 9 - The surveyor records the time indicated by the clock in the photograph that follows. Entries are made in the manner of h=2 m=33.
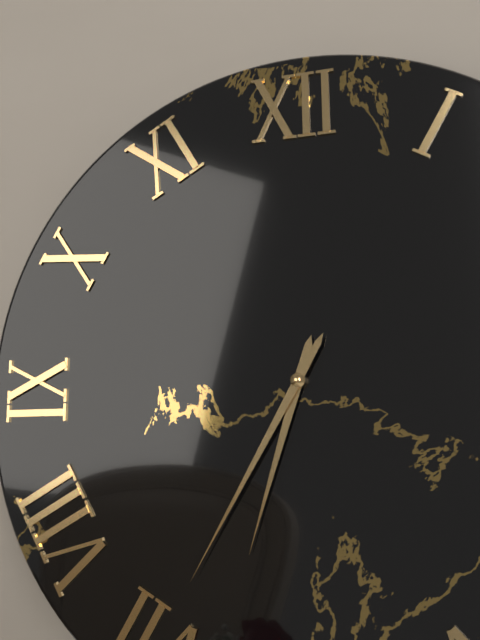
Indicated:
h=6 m=35
